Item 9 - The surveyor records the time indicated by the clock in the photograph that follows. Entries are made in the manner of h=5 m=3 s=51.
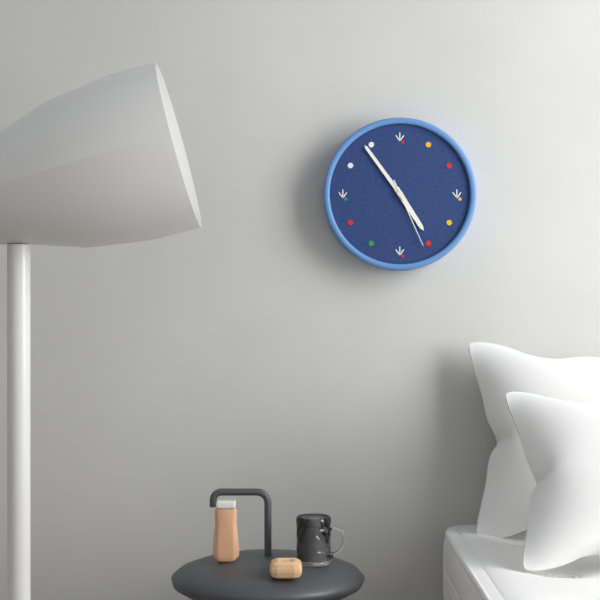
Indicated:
h=4 m=54 s=26
